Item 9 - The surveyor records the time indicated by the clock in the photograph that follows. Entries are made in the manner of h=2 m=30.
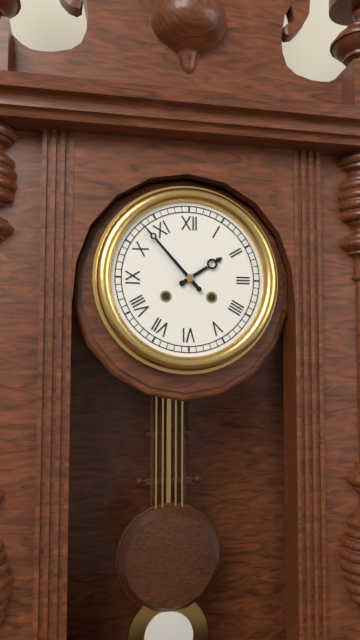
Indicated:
h=1 m=53
